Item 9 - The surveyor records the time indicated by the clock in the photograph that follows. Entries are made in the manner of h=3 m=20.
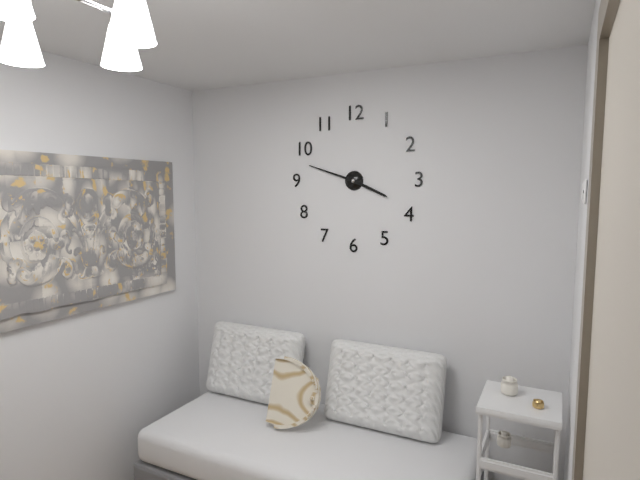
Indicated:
h=3 m=48
